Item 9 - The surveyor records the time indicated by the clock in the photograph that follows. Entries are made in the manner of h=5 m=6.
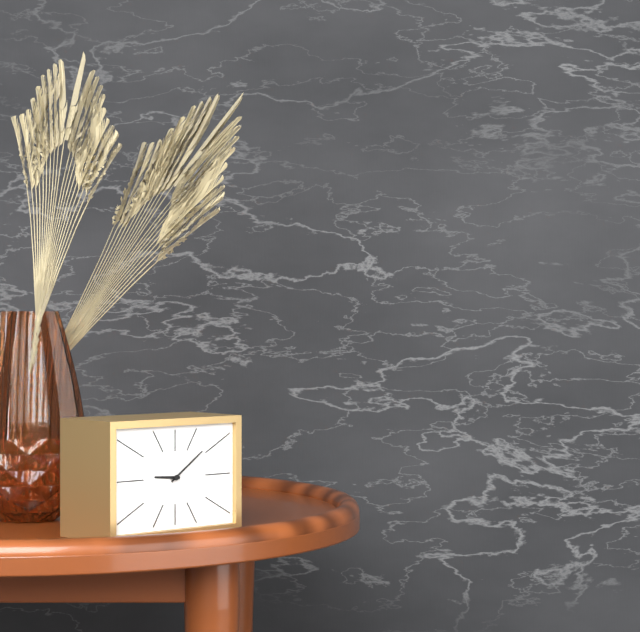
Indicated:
h=9 m=9
